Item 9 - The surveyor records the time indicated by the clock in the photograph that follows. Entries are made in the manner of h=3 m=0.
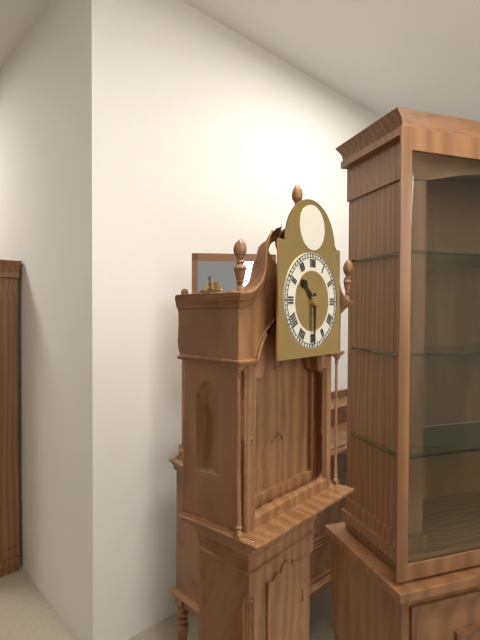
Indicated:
h=10 m=30
